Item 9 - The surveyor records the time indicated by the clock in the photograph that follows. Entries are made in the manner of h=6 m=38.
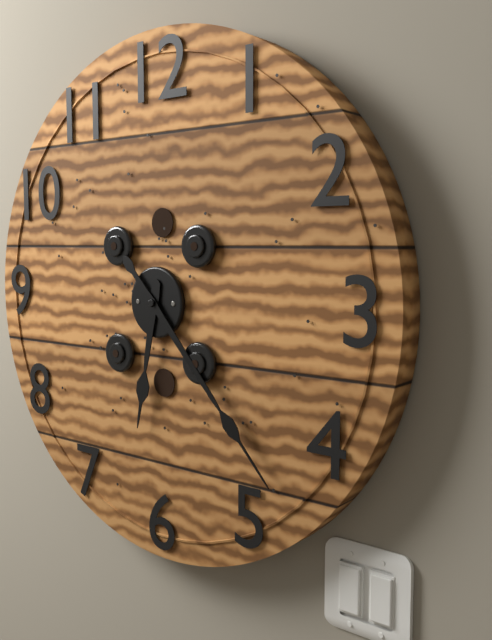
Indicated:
h=6 m=23
